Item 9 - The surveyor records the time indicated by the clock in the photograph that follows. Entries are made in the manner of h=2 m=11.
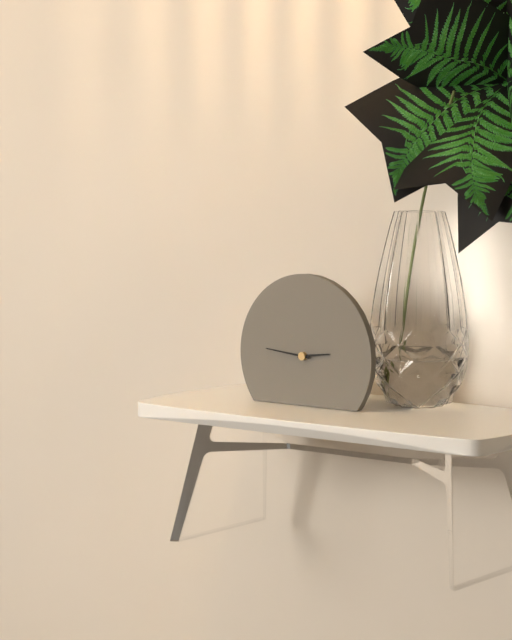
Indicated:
h=2 m=46
